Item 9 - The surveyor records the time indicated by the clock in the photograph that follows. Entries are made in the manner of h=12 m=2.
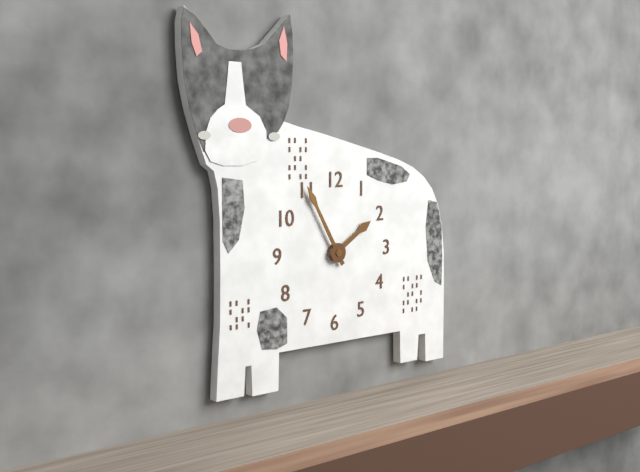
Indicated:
h=1 m=55
